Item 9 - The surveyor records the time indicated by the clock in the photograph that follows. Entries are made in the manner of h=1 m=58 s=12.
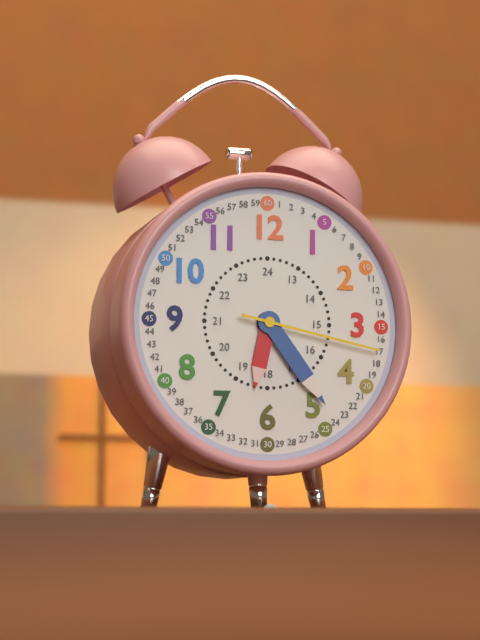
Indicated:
h=6 m=24 s=17
